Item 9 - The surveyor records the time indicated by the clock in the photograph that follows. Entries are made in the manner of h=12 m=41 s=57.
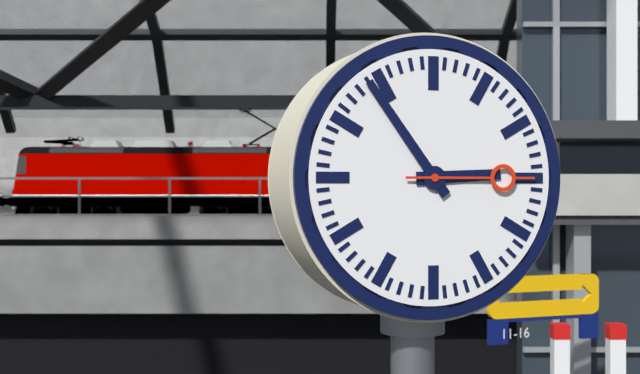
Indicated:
h=2 m=54 s=15
